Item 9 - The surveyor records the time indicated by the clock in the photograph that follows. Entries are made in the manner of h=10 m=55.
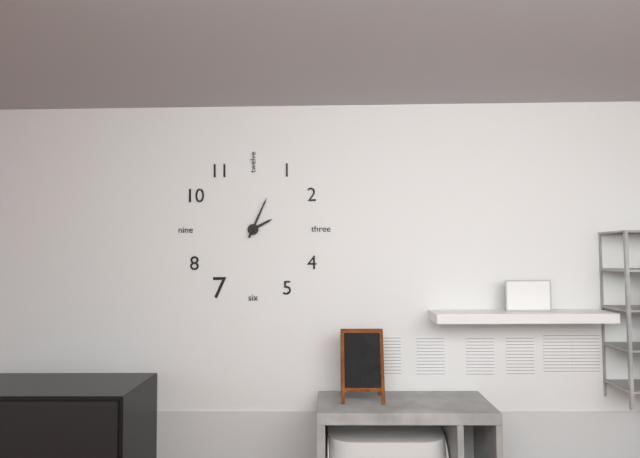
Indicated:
h=2 m=4
